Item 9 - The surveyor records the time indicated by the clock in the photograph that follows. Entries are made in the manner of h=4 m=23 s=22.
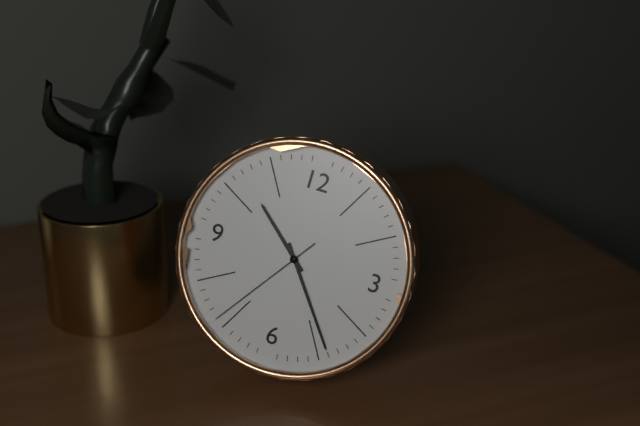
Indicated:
h=10 m=24 s=36
